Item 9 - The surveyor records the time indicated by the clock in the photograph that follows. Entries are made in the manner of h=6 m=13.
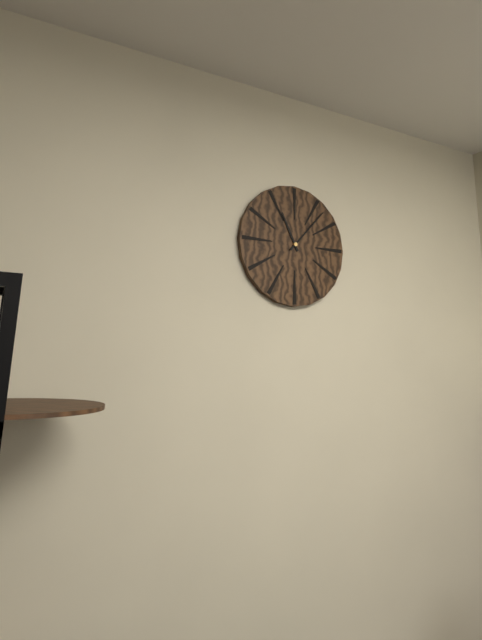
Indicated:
h=11 m=7
